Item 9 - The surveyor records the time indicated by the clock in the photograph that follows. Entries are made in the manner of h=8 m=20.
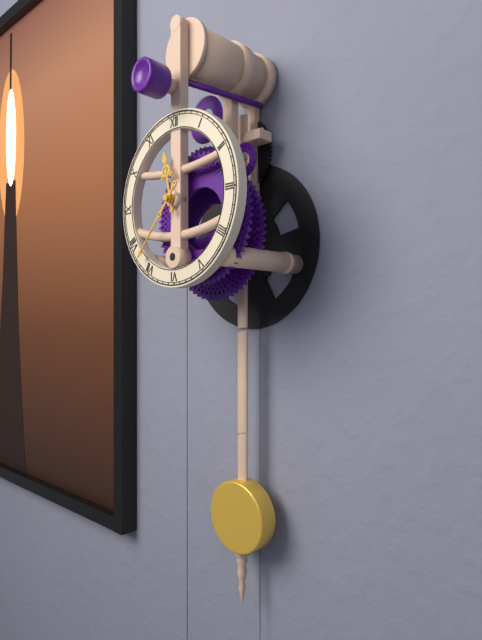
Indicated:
h=11 m=37
